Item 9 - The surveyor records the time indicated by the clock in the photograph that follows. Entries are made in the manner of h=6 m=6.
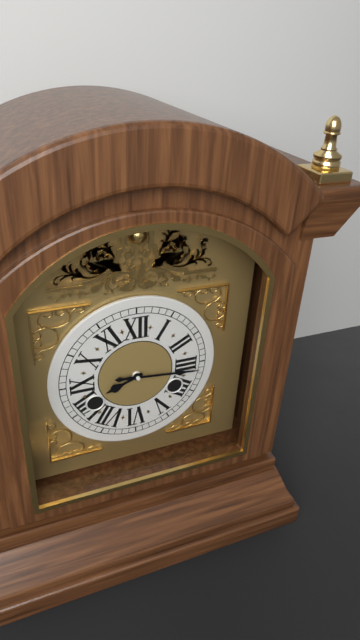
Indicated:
h=8 m=16
